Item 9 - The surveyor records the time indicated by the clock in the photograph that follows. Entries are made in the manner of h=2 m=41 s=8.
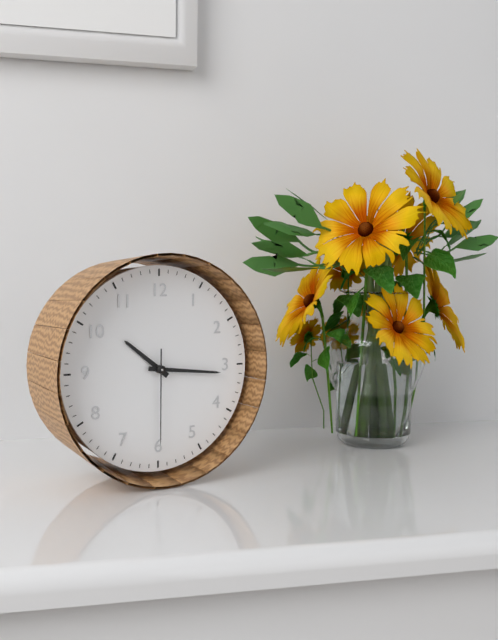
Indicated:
h=10 m=16 s=30
